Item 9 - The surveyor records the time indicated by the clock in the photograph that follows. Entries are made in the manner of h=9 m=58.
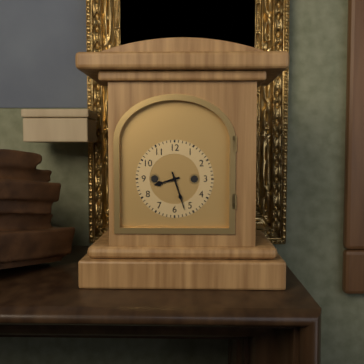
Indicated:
h=8 m=27
